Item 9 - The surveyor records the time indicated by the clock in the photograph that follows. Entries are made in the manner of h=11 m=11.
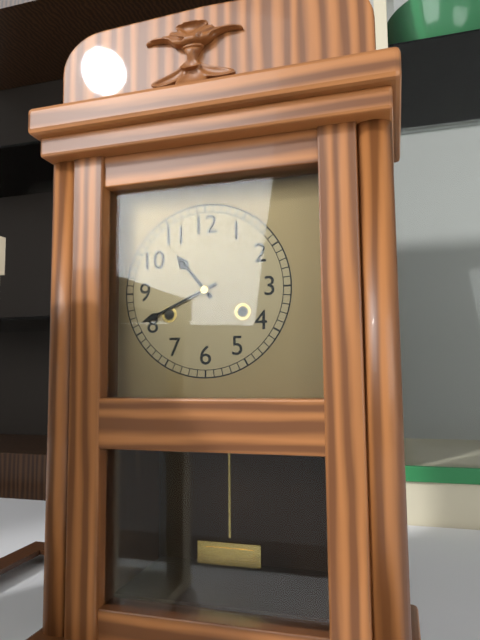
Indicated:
h=10 m=41
